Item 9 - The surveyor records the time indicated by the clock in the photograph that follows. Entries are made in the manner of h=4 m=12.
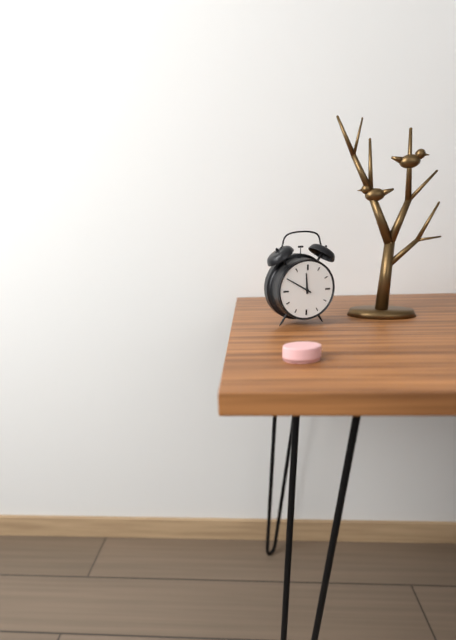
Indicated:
h=11 m=50
